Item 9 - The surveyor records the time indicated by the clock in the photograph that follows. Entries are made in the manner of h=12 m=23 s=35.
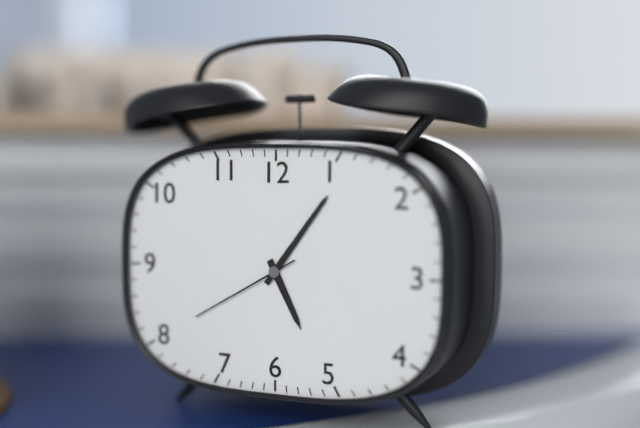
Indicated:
h=5 m=6 s=40
